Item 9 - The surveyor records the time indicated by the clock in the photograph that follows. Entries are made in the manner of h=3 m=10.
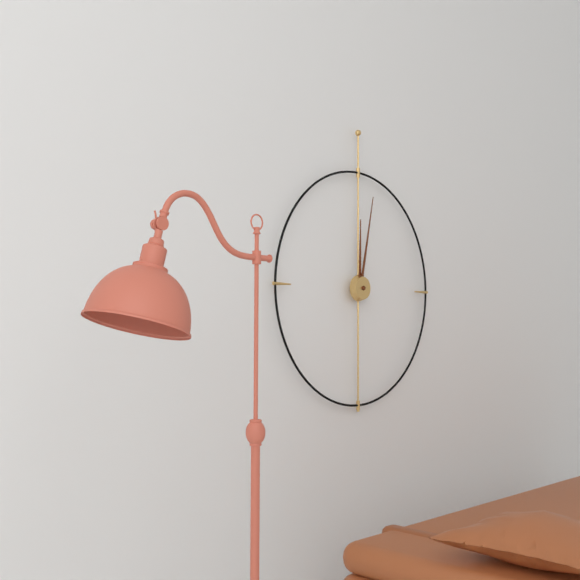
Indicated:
h=12 m=2
